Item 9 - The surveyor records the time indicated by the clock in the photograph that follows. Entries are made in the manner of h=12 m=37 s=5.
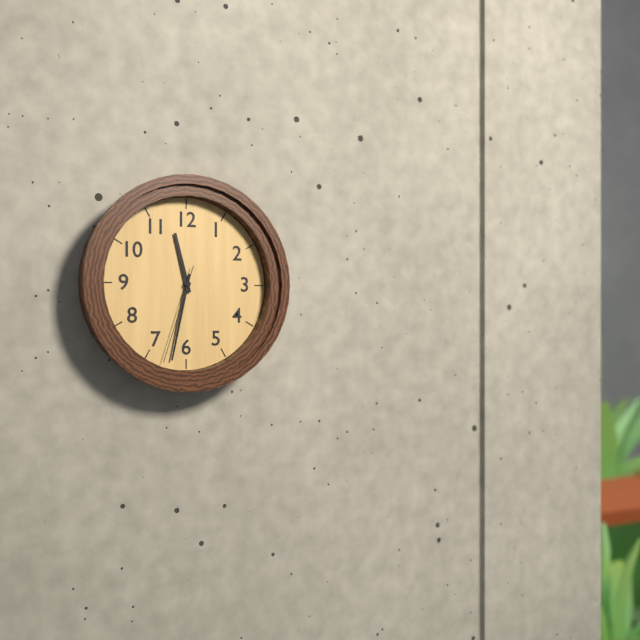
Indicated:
h=11 m=32 s=33
